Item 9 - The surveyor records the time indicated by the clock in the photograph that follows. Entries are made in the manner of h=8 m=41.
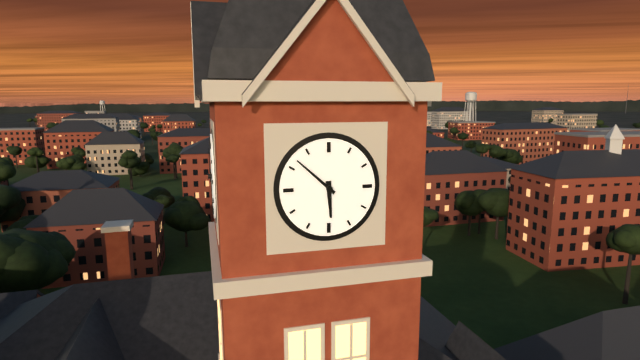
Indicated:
h=5 m=52
